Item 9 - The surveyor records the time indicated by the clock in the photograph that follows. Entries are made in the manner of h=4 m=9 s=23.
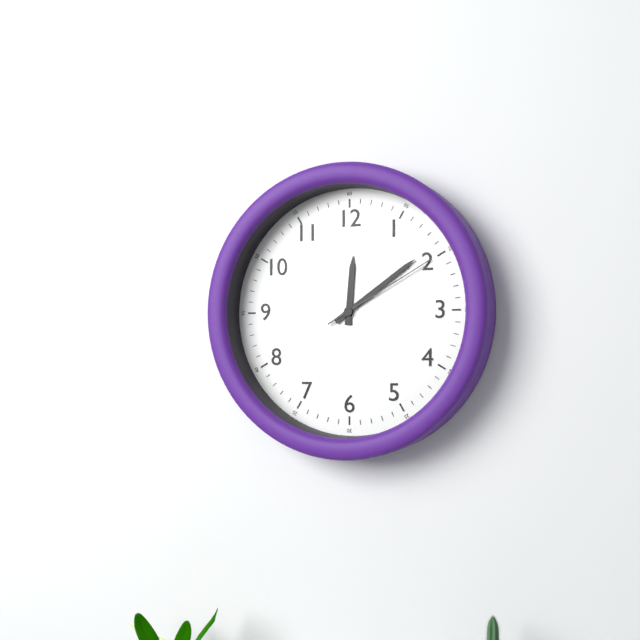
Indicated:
h=12 m=9 s=10
